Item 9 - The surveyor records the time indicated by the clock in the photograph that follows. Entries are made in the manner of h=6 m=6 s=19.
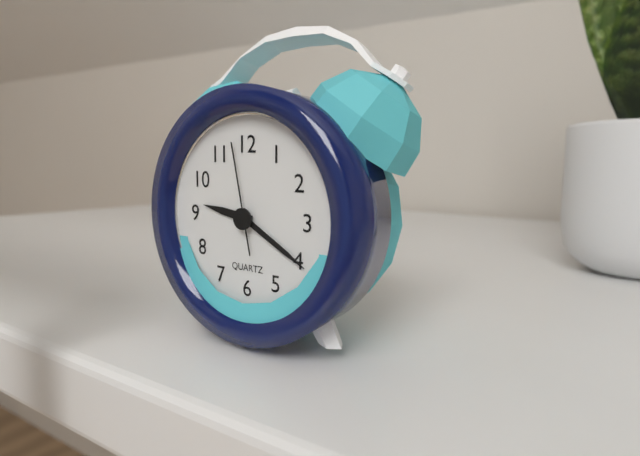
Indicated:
h=9 m=20 s=58
